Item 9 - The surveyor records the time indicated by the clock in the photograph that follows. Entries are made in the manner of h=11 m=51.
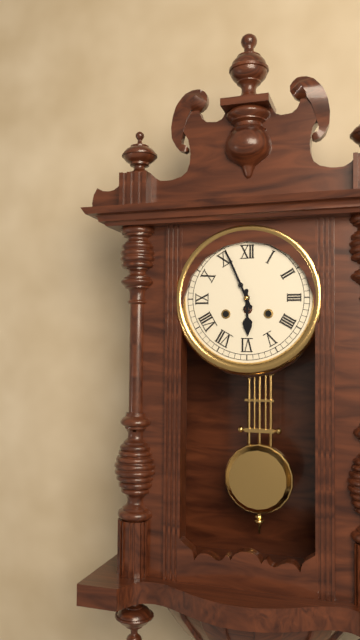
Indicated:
h=5 m=56
